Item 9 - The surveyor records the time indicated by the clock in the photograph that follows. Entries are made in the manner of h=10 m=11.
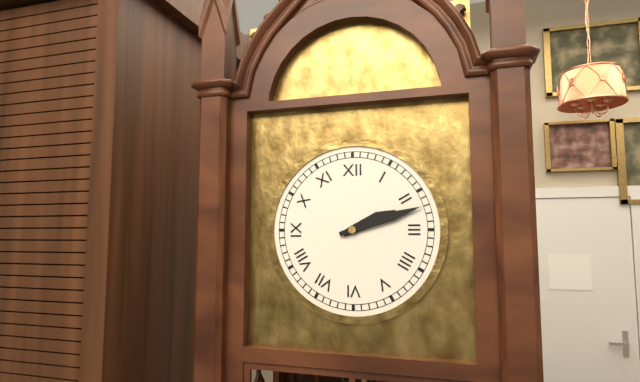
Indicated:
h=2 m=12
